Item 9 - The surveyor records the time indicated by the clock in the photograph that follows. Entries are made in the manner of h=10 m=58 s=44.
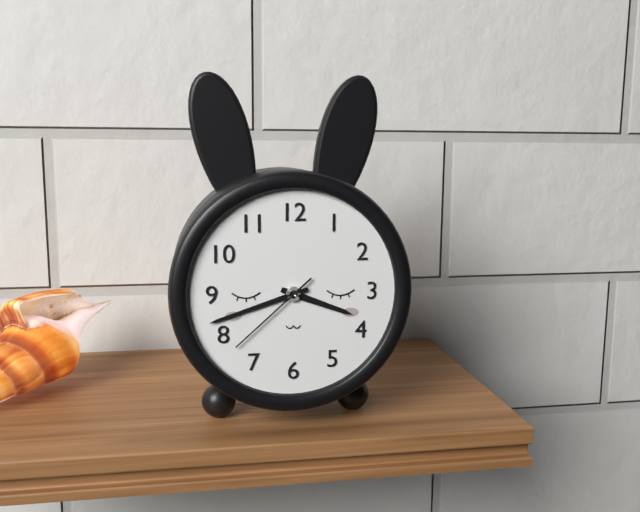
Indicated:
h=3 m=42 s=38
